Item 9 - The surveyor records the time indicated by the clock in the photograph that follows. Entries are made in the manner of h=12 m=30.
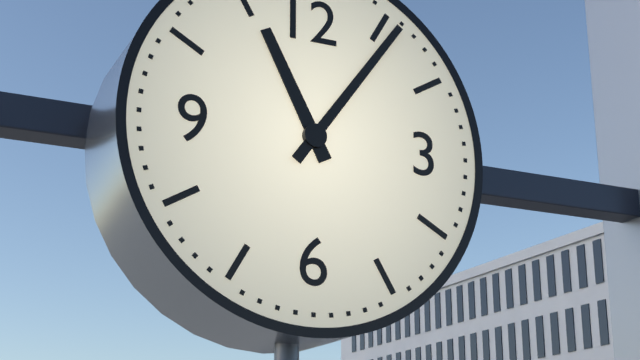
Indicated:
h=11 m=6
